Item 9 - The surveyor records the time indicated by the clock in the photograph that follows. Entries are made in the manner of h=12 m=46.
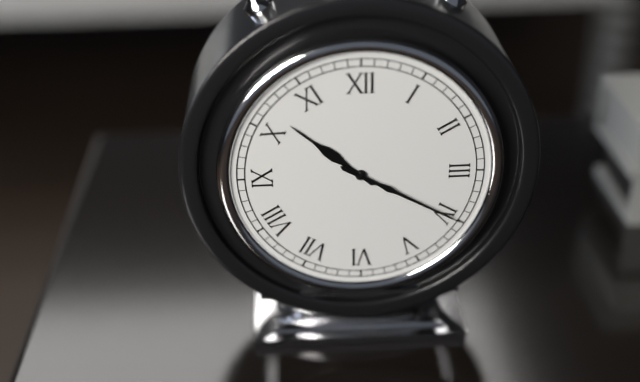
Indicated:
h=10 m=20
